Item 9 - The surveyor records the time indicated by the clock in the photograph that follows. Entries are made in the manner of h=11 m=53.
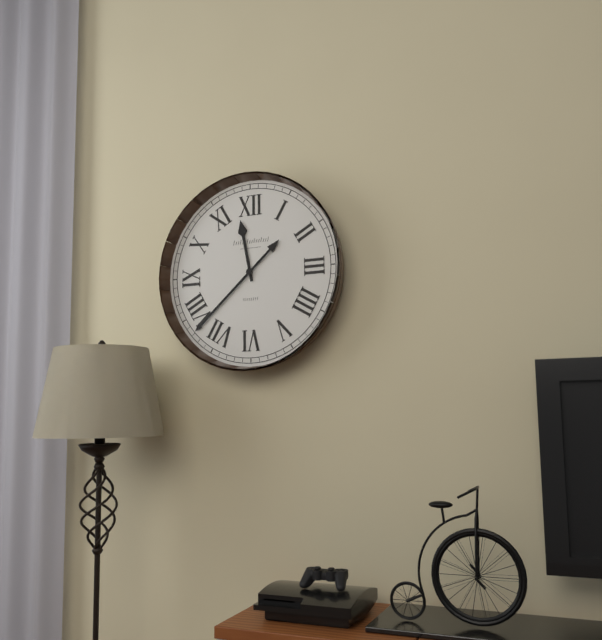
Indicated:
h=11 m=38
